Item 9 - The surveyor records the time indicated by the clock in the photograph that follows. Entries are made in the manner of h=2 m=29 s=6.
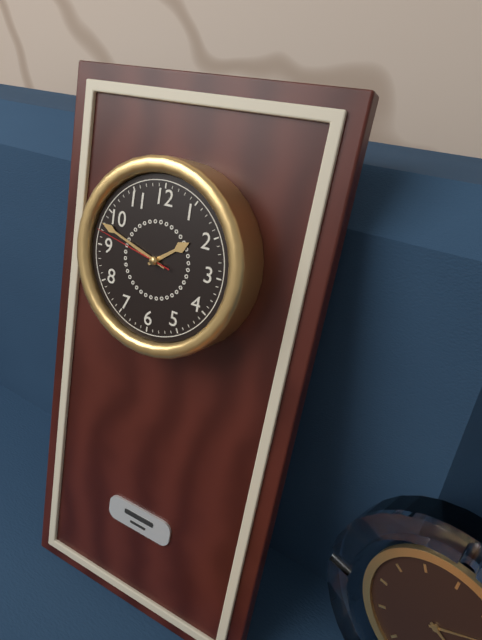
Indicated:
h=1 m=48 s=47
